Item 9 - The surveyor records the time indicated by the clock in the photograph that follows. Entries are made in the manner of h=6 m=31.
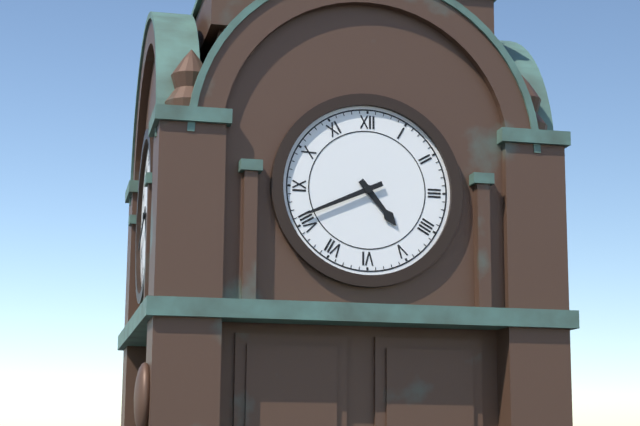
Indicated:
h=4 m=41
